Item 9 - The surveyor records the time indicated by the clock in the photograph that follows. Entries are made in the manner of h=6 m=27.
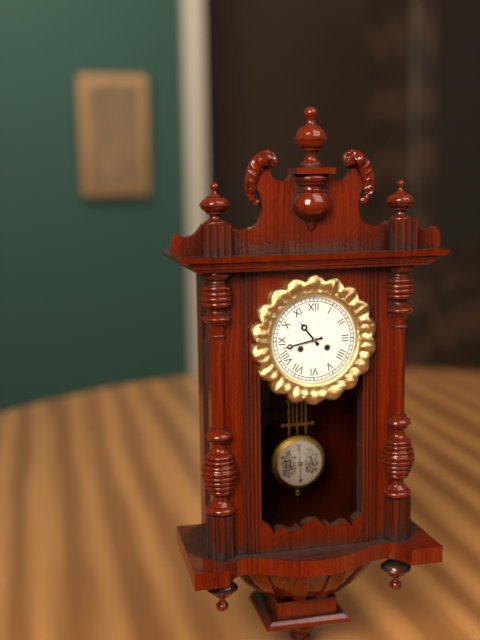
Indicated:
h=10 m=43
